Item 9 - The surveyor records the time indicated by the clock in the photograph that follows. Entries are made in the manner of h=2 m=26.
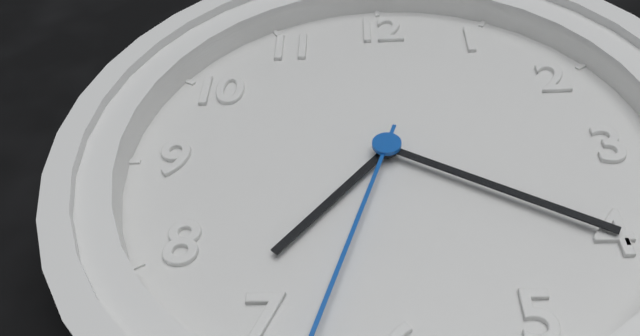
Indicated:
h=7 m=20
